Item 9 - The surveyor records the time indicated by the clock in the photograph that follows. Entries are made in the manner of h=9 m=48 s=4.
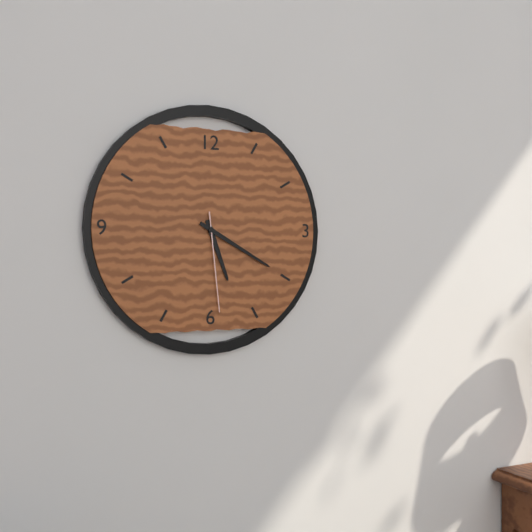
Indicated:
h=5 m=20 s=29
